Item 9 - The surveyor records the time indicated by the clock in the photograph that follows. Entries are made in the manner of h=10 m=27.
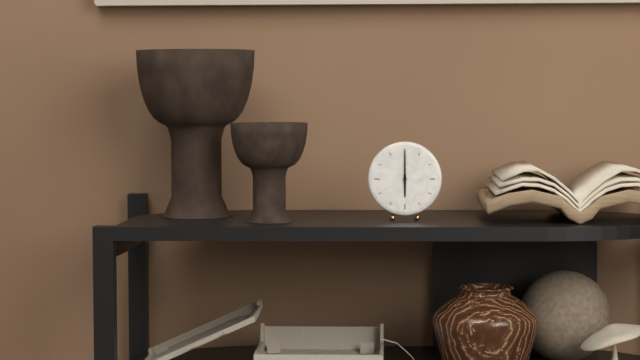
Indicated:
h=6 m=0
